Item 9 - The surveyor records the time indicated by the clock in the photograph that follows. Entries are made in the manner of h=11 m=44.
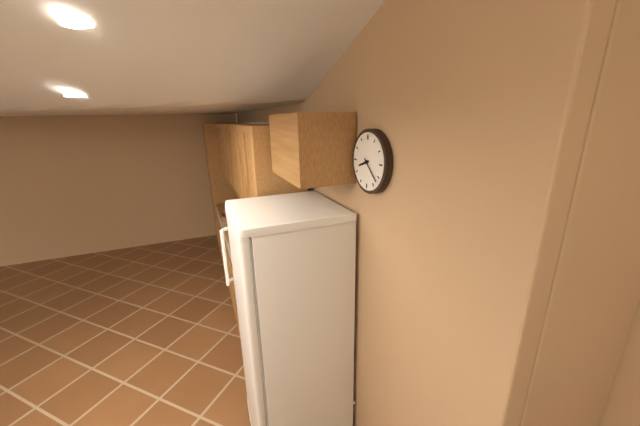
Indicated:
h=8 m=22
